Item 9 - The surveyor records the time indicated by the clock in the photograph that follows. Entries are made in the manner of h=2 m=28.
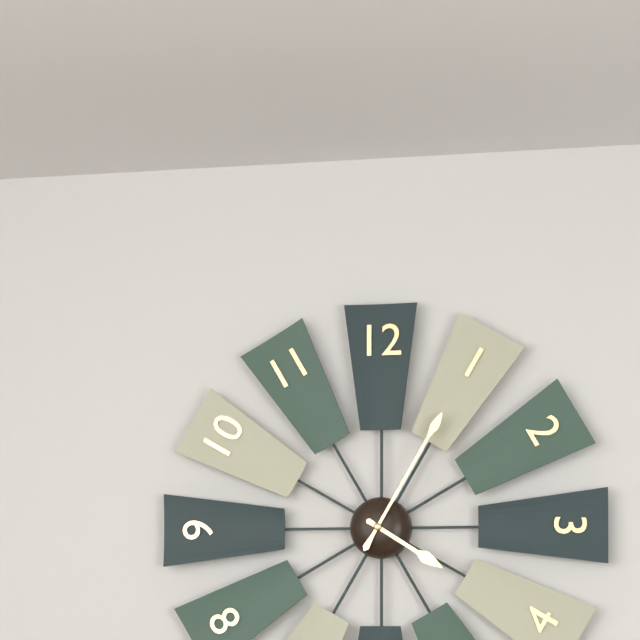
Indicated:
h=4 m=5
